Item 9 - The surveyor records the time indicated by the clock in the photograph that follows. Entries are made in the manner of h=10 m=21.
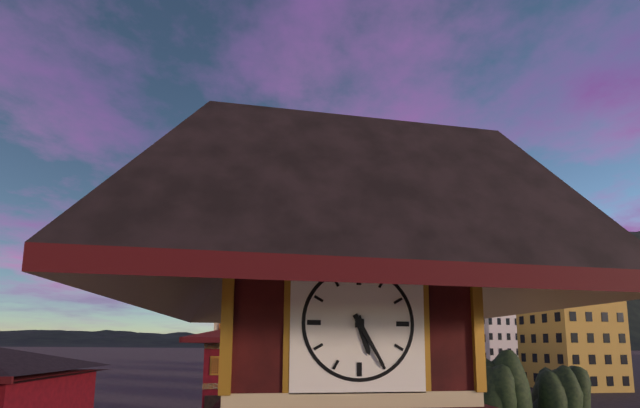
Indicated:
h=5 m=25
